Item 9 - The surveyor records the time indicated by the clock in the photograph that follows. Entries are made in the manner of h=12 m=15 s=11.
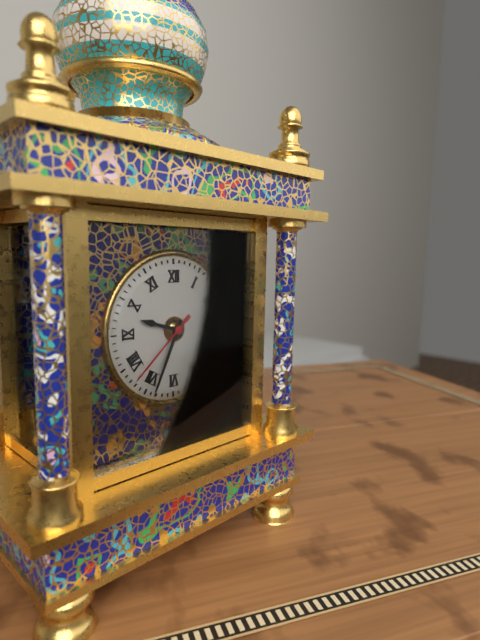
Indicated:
h=9 m=34 s=38
